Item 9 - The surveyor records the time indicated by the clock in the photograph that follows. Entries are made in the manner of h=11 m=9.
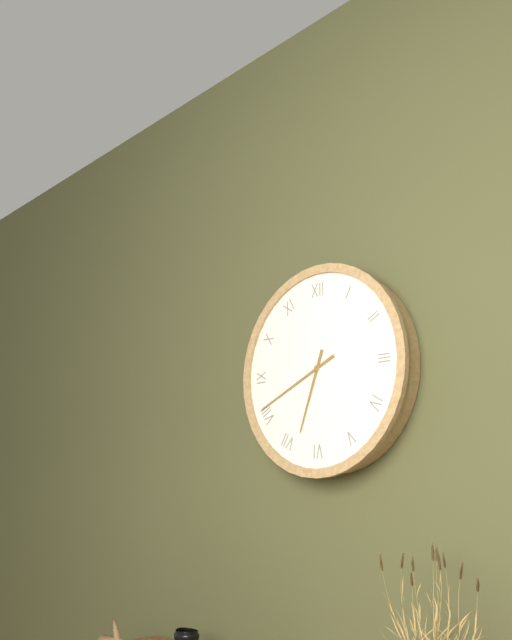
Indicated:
h=6 m=41
